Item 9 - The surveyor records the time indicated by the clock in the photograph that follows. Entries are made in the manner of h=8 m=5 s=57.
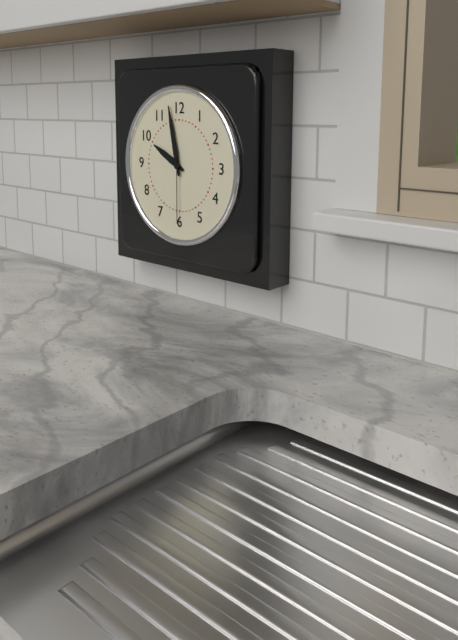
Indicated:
h=9 m=58 s=30
